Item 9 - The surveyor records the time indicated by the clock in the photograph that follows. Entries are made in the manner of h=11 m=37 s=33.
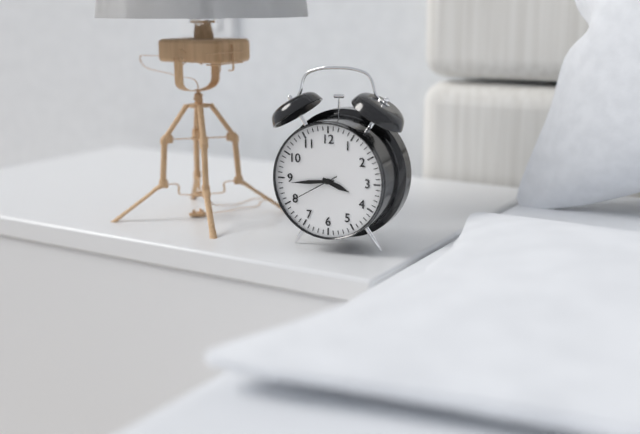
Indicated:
h=3 m=44 s=40
